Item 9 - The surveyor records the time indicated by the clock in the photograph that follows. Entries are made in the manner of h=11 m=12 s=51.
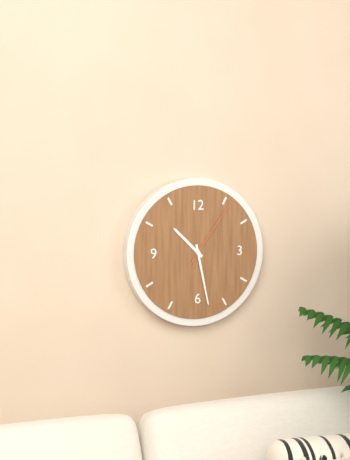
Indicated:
h=10 m=28 s=6
